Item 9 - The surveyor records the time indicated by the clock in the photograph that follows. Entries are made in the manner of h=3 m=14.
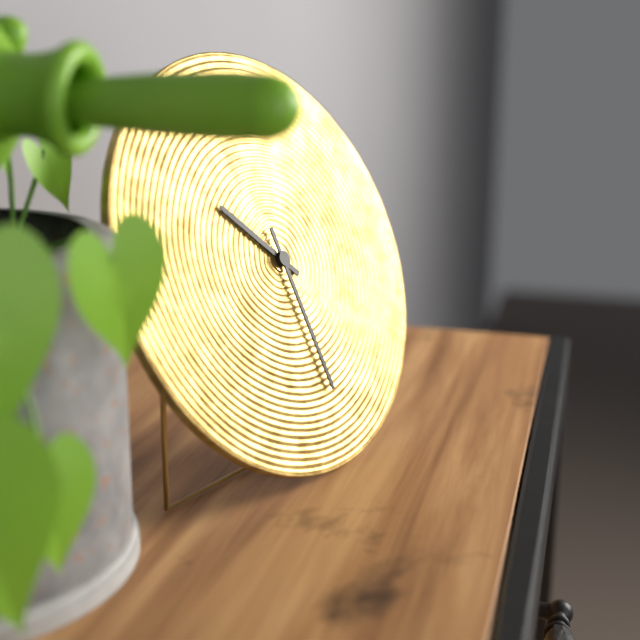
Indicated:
h=10 m=29
